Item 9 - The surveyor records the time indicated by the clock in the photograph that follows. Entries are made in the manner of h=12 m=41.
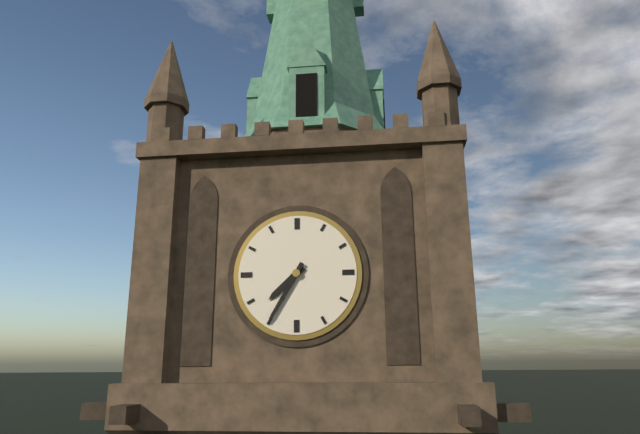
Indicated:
h=7 m=35
